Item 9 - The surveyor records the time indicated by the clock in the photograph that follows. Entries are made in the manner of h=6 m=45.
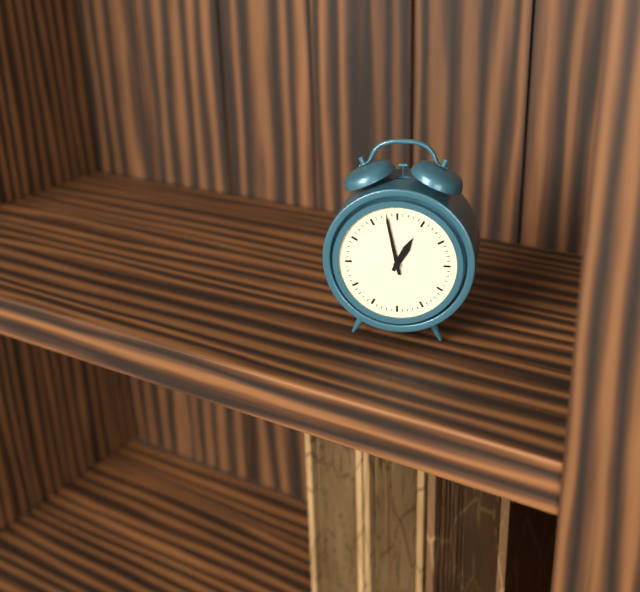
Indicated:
h=12 m=58
